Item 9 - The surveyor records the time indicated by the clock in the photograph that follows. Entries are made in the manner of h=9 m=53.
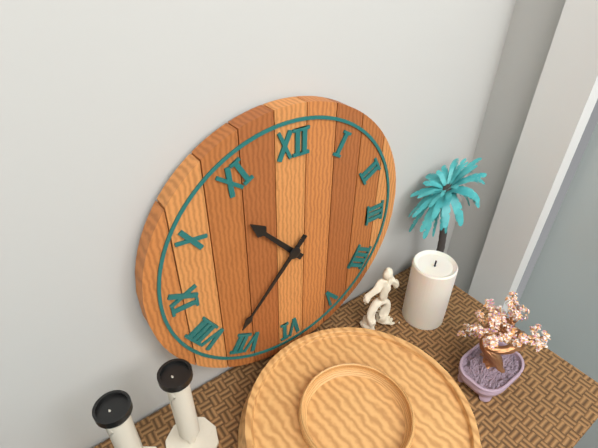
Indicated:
h=10 m=37
